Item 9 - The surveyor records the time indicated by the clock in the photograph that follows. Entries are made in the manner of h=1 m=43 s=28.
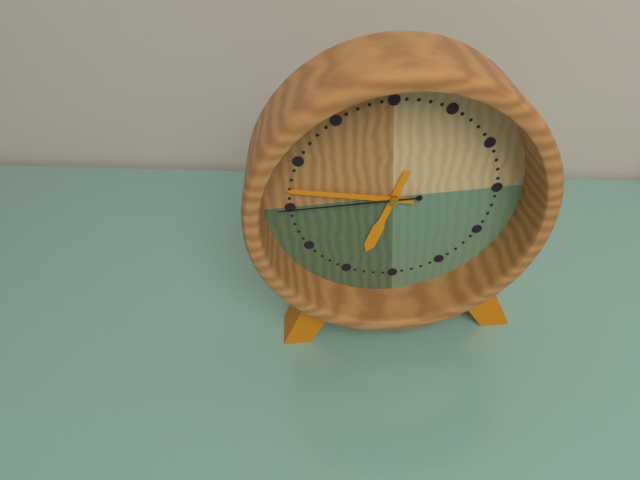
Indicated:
h=6 m=47 s=45
